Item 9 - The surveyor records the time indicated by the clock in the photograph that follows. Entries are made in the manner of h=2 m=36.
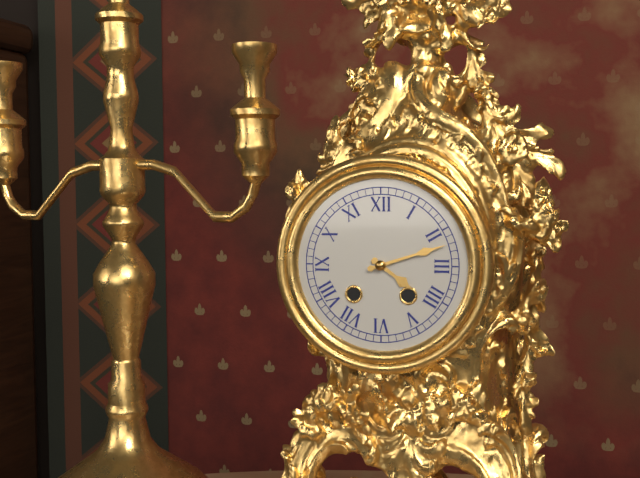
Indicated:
h=4 m=12
